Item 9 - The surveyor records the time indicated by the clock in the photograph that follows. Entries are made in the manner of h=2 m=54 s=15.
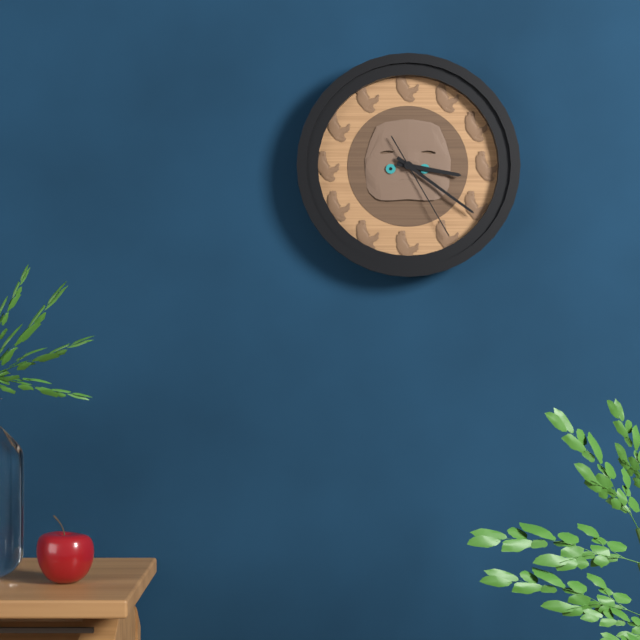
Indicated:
h=3 m=21 s=25
